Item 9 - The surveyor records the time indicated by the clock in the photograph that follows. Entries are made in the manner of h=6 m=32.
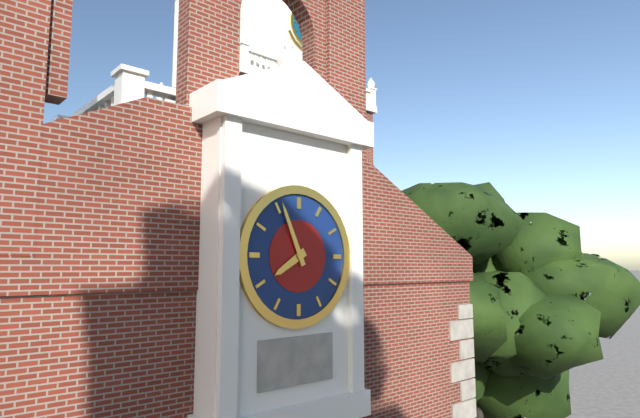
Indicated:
h=7 m=56
